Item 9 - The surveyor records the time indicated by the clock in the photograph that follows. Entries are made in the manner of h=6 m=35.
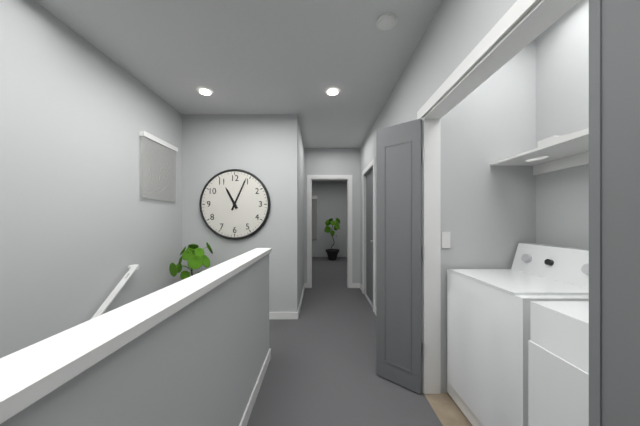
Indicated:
h=11 m=4
